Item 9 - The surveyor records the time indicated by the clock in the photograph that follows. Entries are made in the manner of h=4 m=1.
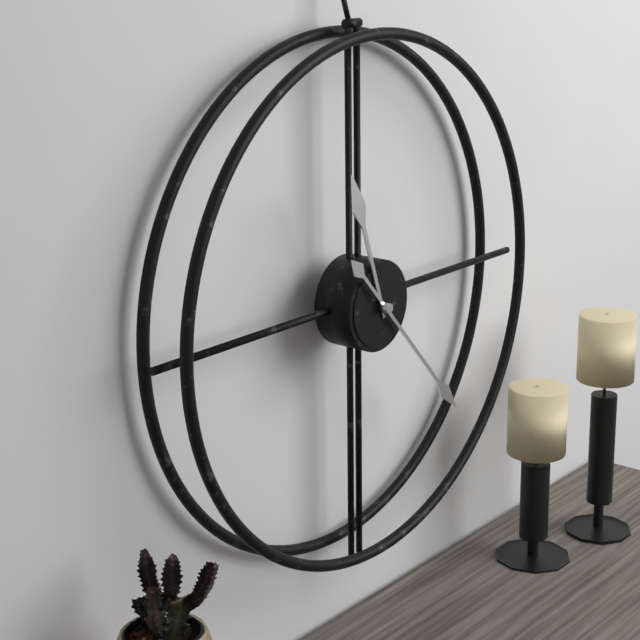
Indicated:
h=11 m=23
